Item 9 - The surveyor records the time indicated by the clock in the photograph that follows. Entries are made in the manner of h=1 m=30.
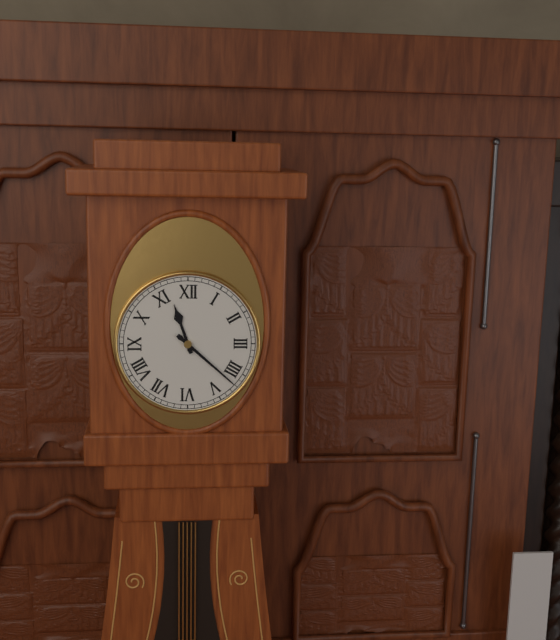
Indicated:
h=11 m=22
